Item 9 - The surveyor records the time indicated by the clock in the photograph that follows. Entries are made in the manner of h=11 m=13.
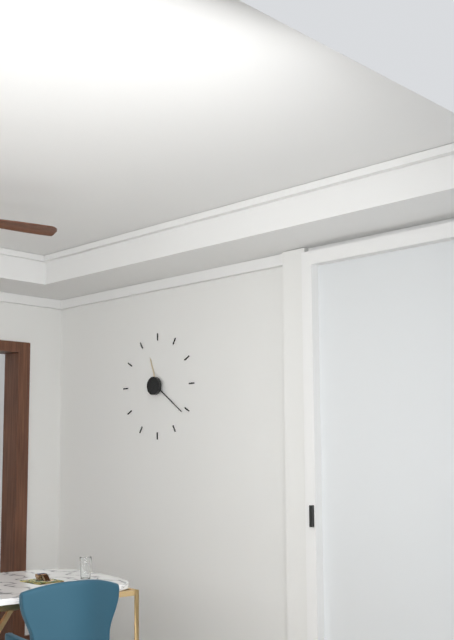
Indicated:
h=11 m=21
